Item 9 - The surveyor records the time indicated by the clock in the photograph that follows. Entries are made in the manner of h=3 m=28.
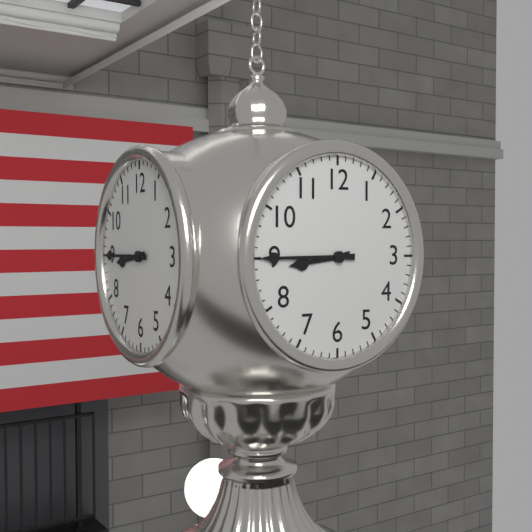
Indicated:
h=8 m=45
